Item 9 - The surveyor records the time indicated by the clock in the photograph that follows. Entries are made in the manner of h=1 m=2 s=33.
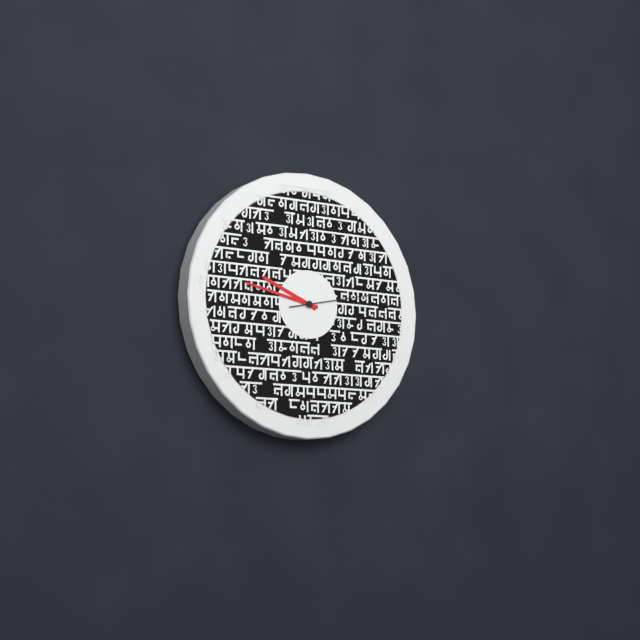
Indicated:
h=9 m=47 s=13
